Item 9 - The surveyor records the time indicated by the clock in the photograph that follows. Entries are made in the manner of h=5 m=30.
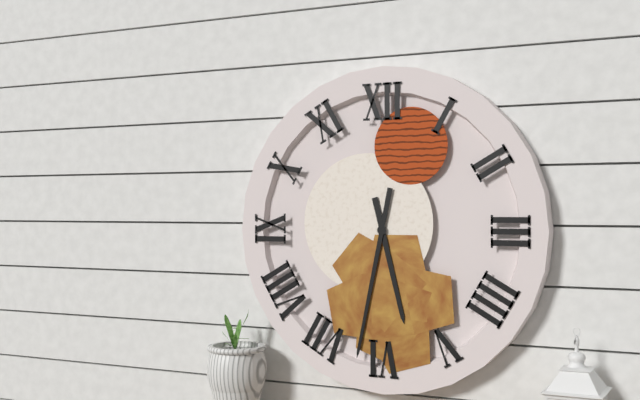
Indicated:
h=5 m=32
